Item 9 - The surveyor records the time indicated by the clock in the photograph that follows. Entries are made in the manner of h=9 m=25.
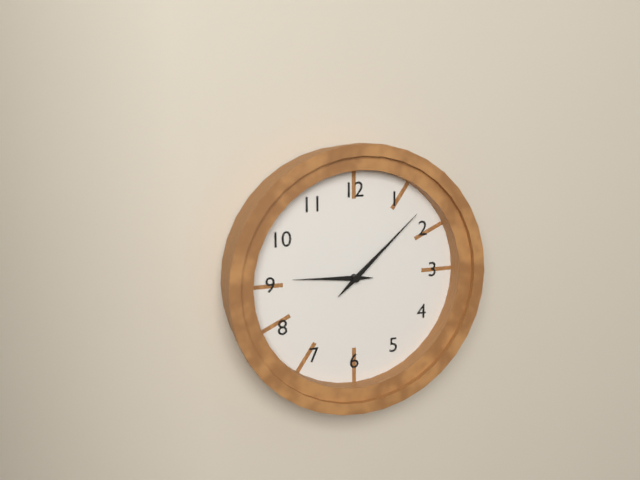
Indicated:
h=9 m=8
